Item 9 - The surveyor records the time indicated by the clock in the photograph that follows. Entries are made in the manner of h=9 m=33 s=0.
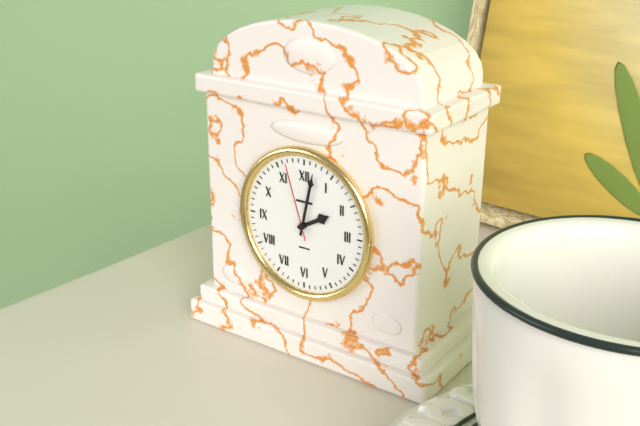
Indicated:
h=2 m=2 s=57
